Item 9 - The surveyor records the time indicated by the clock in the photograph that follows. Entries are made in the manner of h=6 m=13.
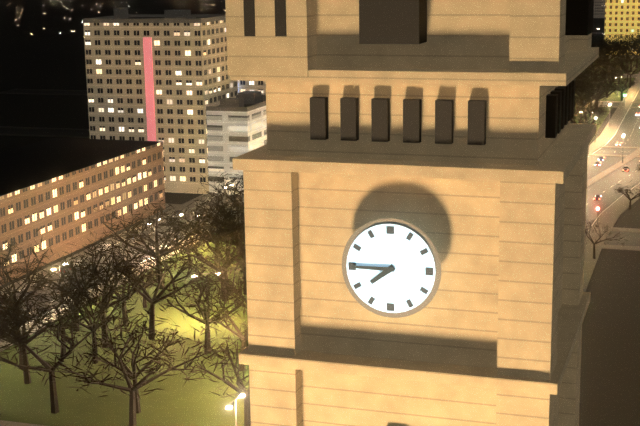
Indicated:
h=7 m=45
